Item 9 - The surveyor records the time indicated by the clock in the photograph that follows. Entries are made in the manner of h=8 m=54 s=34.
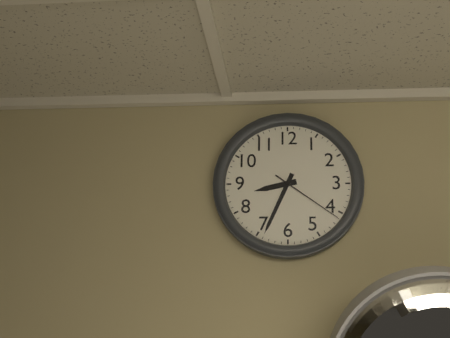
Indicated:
h=8 m=34 s=21
